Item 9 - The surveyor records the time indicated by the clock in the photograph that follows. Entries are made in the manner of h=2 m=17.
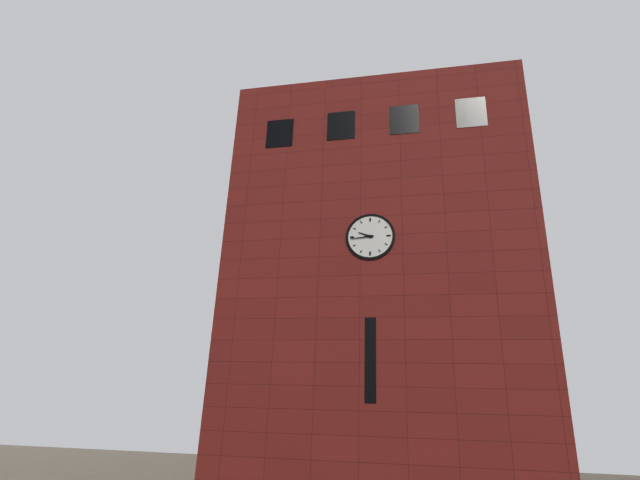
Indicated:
h=9 m=44
